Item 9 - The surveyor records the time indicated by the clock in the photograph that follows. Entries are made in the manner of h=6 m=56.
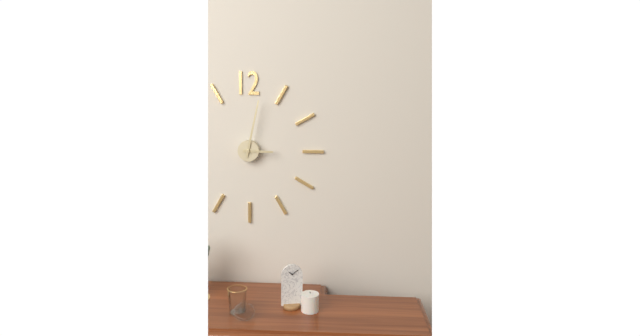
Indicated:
h=3 m=2
